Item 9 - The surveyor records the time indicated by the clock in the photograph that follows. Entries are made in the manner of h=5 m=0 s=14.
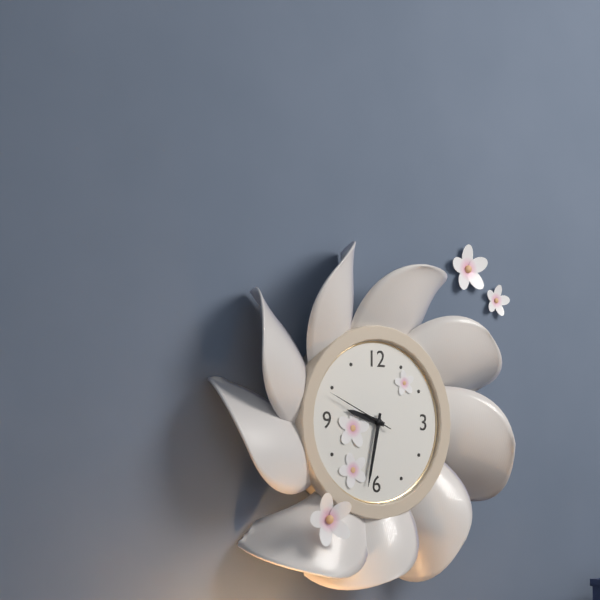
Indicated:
h=9 m=32 s=49
